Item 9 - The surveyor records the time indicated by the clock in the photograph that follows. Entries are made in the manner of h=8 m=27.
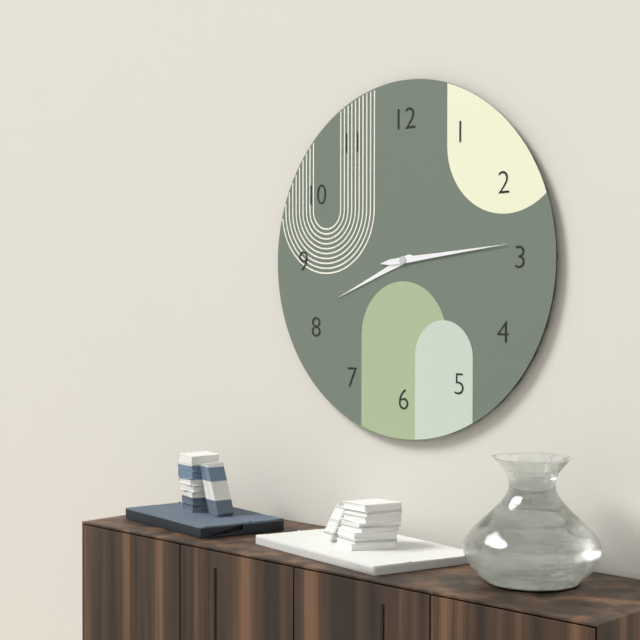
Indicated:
h=8 m=14
